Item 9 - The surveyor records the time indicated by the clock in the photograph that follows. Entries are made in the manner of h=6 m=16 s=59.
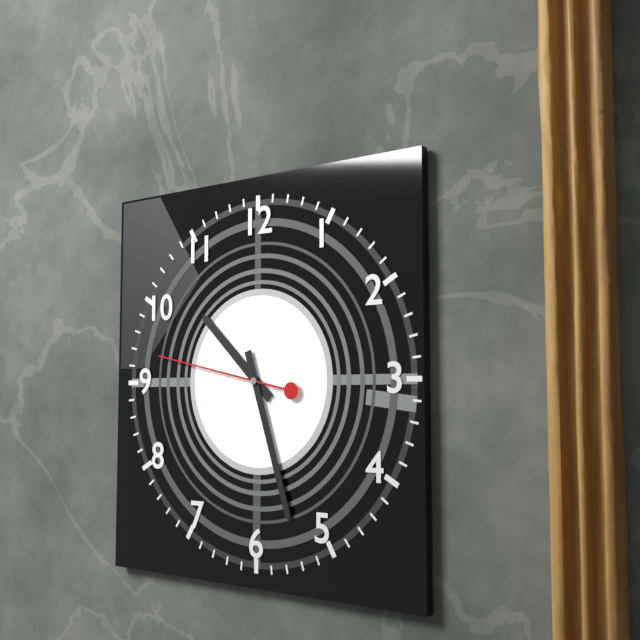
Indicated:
h=10 m=27 s=47
